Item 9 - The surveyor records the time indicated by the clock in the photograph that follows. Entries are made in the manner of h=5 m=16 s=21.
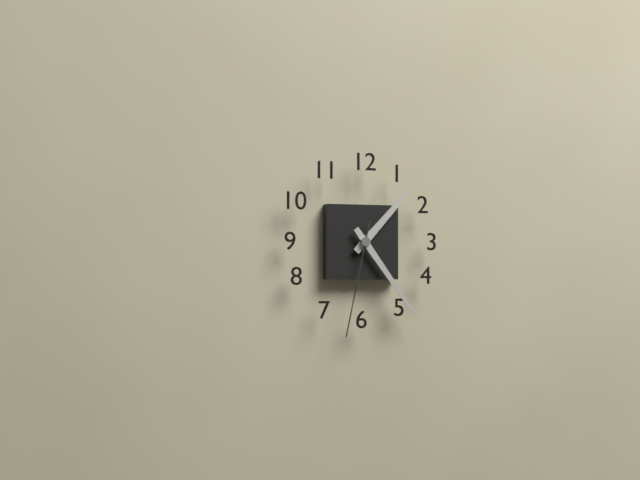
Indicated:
h=1 m=24 s=32
